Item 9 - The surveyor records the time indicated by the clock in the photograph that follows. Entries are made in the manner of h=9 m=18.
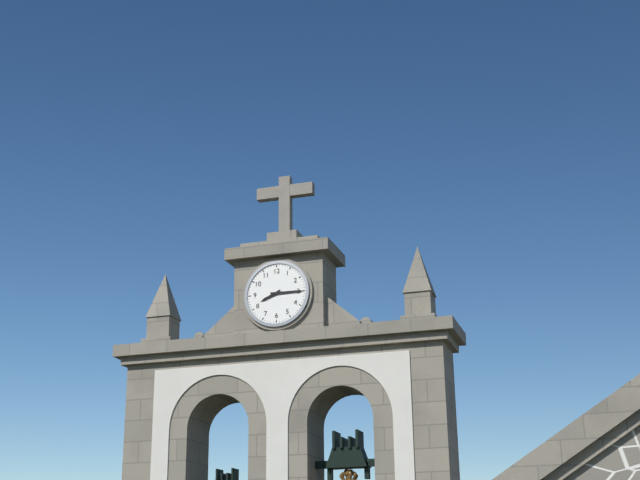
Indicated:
h=8 m=15
